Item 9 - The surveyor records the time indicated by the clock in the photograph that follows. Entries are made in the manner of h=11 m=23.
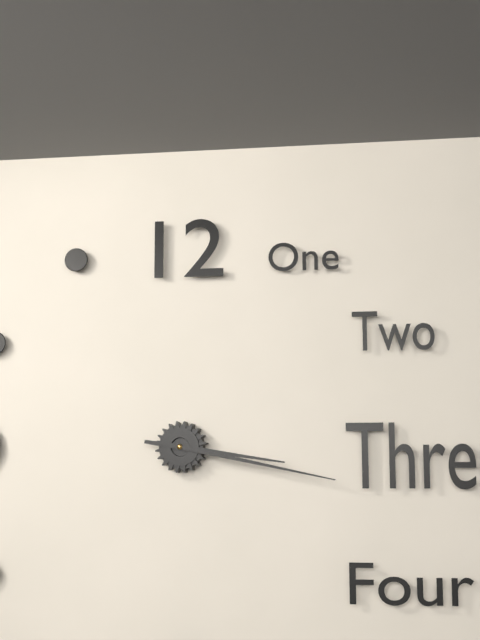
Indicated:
h=3 m=17
